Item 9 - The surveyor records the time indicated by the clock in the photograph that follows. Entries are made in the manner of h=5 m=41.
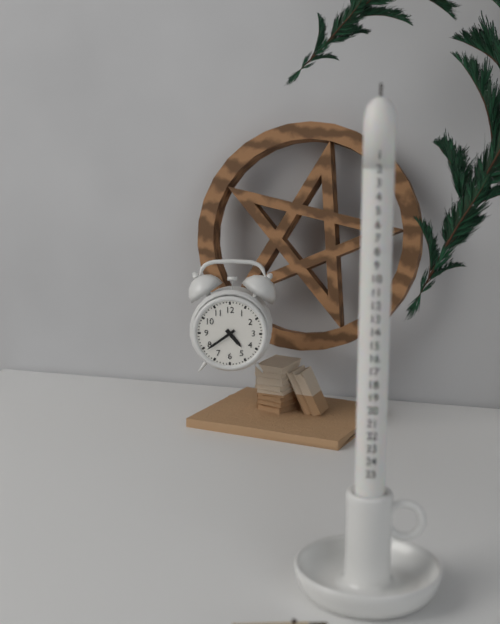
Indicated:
h=4 m=39
